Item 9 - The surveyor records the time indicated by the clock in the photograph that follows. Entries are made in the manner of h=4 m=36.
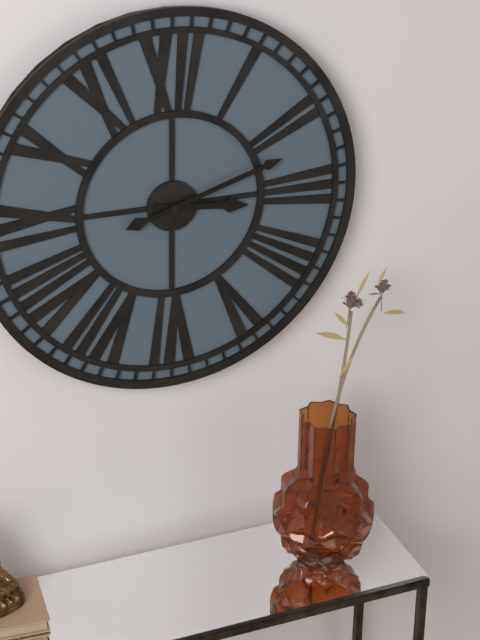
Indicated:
h=3 m=12
